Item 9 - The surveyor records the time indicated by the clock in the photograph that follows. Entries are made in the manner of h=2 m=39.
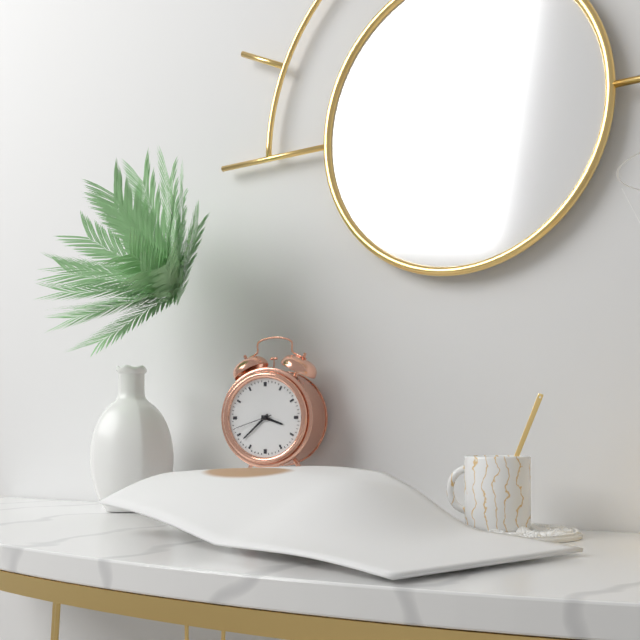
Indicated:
h=3 m=38
